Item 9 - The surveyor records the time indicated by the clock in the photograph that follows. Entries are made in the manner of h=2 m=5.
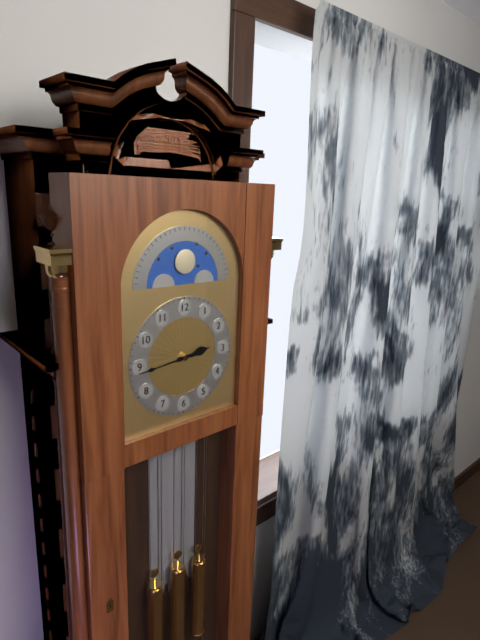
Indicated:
h=2 m=44
